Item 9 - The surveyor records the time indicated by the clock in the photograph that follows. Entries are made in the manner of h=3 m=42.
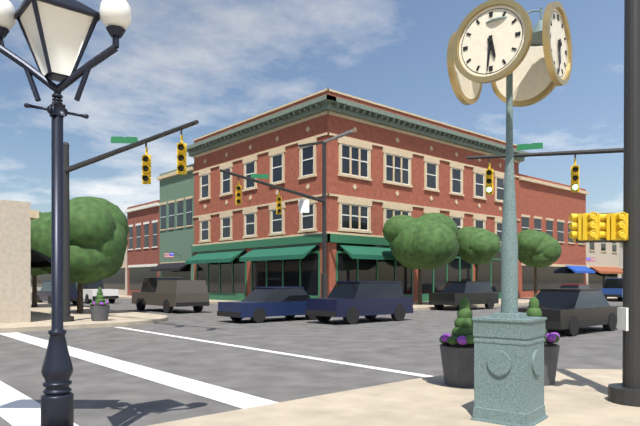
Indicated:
h=5 m=31
